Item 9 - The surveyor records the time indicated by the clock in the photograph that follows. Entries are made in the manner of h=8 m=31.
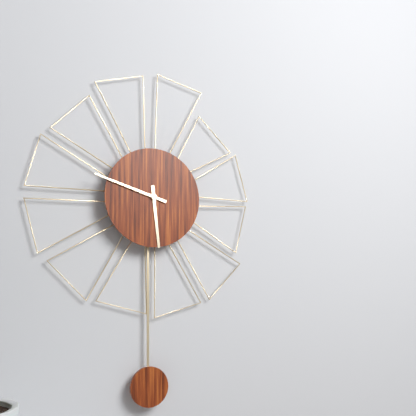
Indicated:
h=5 m=48
